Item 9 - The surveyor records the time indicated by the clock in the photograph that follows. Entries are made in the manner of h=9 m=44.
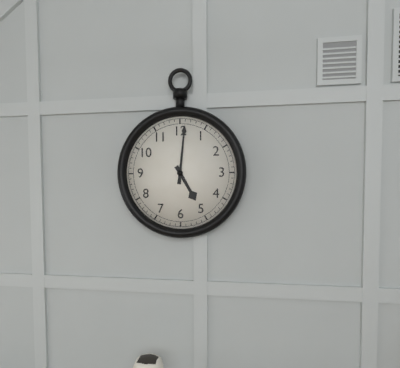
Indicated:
h=5 m=1
